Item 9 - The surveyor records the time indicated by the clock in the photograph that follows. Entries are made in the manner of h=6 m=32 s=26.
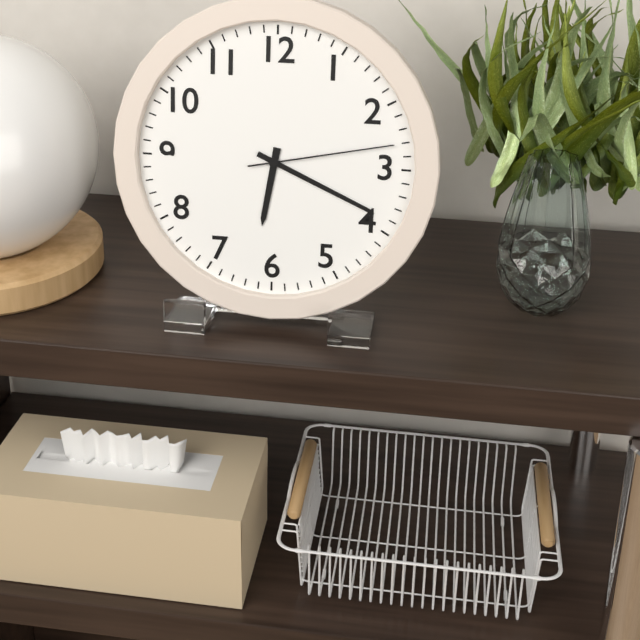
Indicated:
h=6 m=19 s=13
